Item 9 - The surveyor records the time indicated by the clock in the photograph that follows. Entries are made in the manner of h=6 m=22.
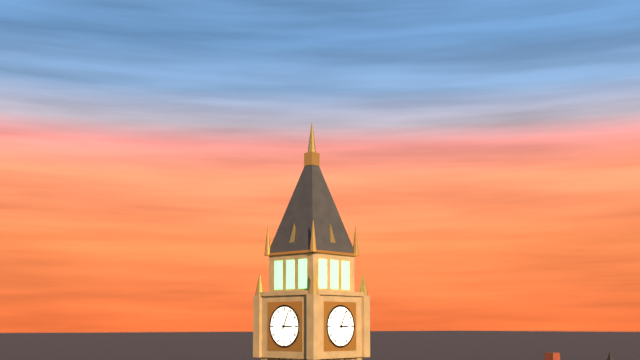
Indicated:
h=3 m=4
